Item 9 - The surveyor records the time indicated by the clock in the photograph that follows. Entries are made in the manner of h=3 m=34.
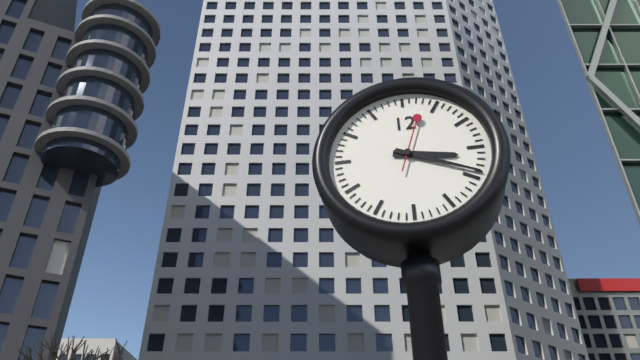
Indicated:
h=3 m=19
